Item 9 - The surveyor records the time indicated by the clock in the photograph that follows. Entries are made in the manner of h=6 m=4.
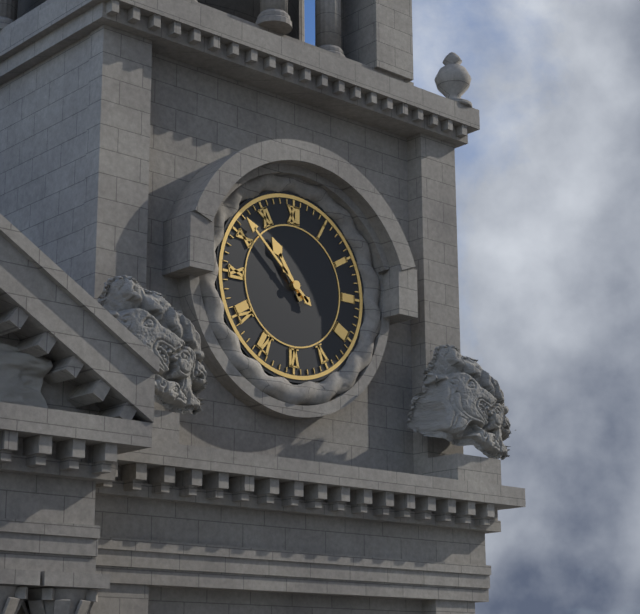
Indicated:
h=10 m=52
